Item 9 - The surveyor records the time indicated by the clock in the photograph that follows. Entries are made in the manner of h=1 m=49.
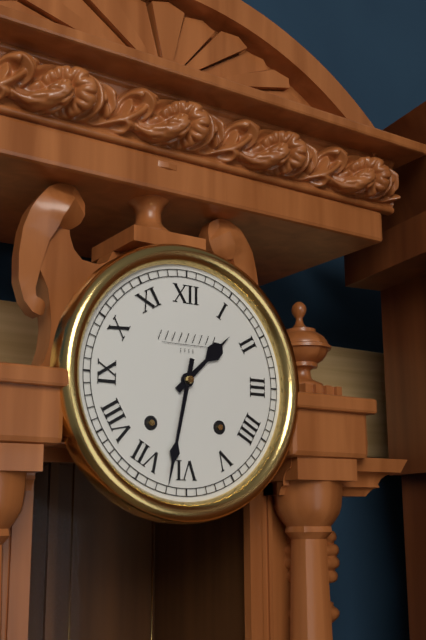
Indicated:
h=1 m=32
